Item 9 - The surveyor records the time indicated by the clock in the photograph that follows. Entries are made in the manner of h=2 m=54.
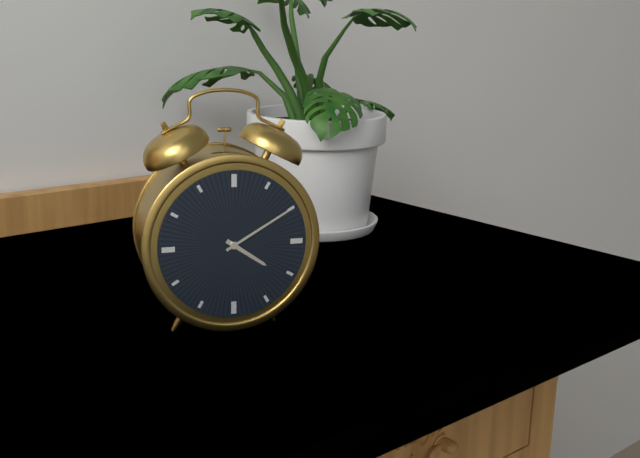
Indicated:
h=4 m=10
